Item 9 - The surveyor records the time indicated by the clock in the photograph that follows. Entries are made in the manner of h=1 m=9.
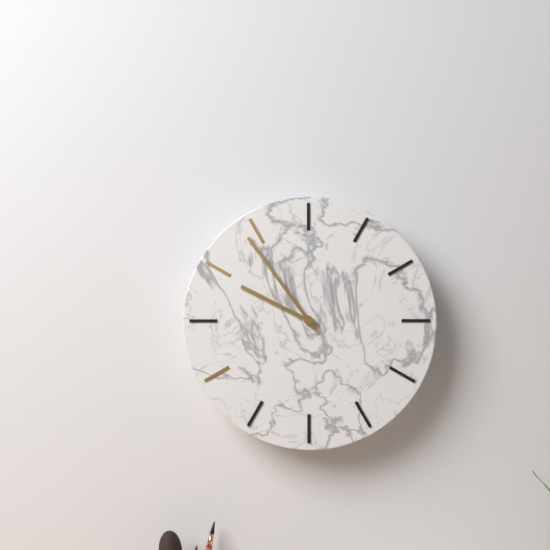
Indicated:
h=9 m=54
